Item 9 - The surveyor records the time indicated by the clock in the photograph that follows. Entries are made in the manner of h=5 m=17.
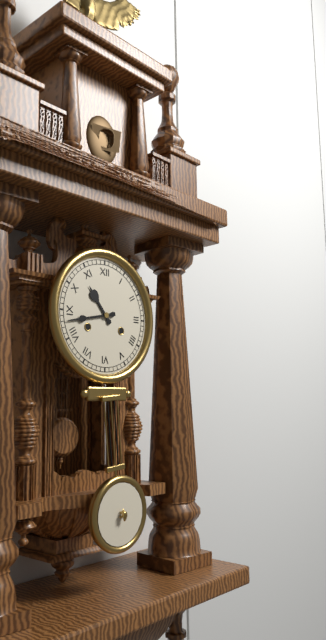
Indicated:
h=10 m=43
